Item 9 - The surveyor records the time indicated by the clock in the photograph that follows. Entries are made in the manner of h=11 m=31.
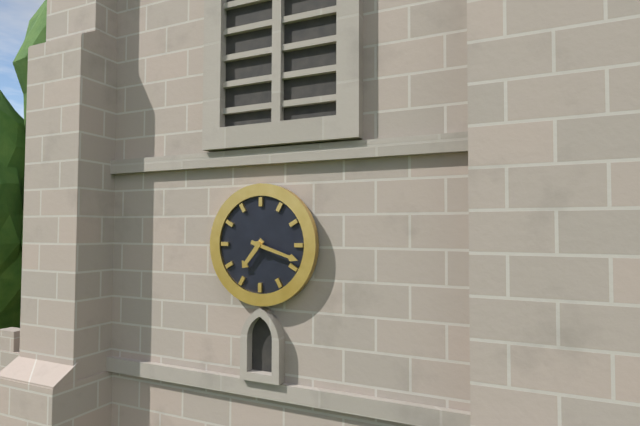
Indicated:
h=7 m=18
